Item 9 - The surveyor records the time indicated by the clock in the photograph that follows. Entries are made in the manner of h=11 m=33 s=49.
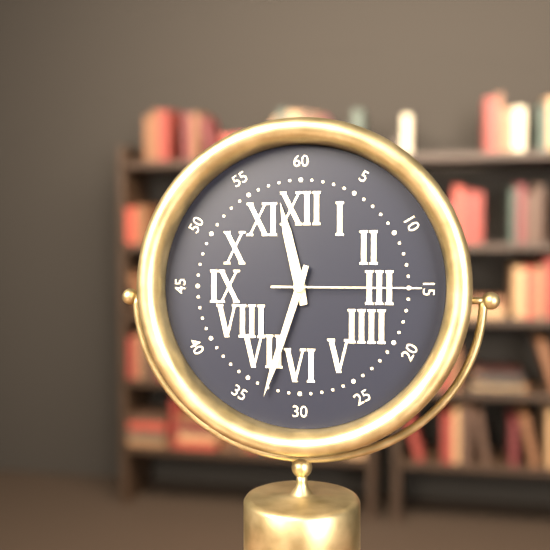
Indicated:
h=11 m=33 s=15
